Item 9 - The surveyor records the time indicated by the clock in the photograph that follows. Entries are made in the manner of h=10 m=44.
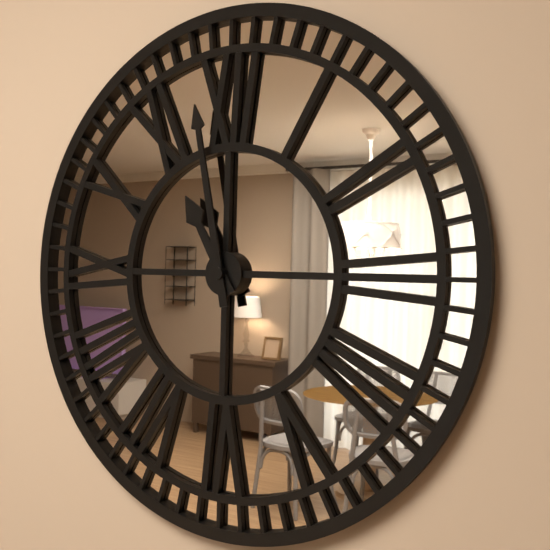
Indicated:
h=10 m=58
